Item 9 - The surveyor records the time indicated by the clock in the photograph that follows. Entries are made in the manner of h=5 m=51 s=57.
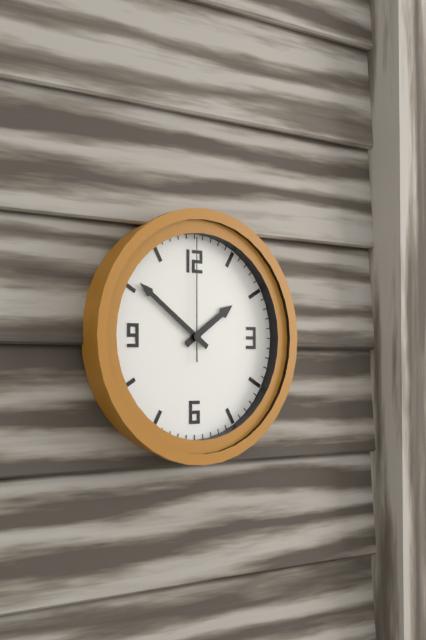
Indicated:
h=1 m=51 s=0
